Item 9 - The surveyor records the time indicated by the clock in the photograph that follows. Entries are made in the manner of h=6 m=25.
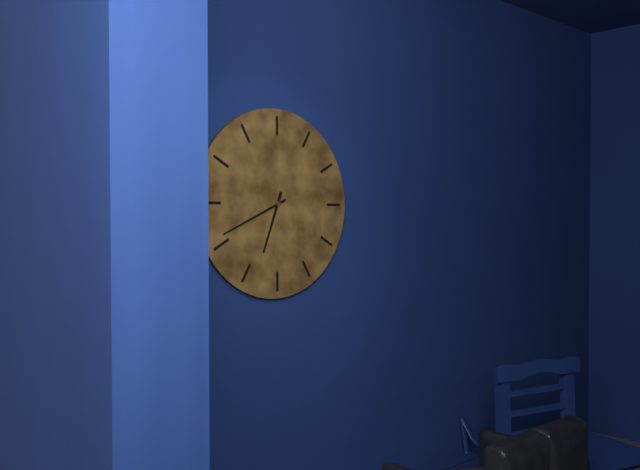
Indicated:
h=6 m=41
